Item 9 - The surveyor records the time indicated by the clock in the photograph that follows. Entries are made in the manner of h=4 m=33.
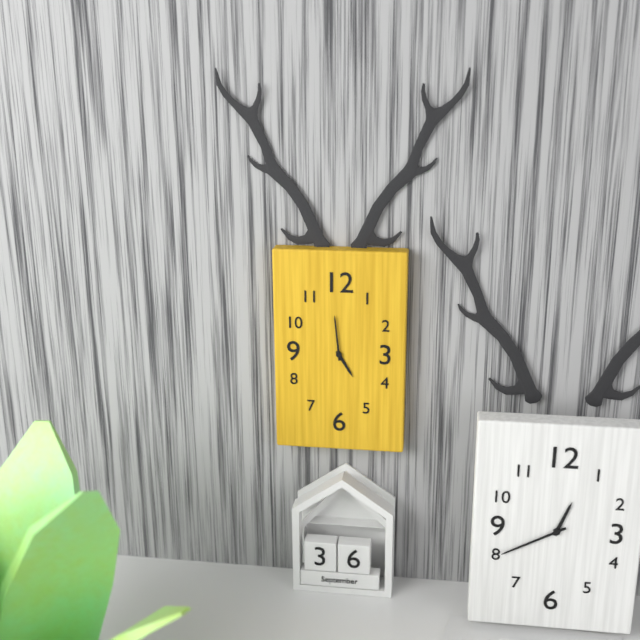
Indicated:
h=4 m=59
